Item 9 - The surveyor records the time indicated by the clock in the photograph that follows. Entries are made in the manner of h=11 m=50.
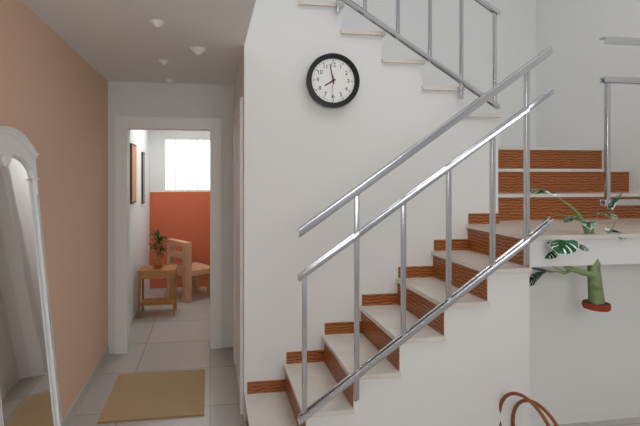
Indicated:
h=7 m=58
